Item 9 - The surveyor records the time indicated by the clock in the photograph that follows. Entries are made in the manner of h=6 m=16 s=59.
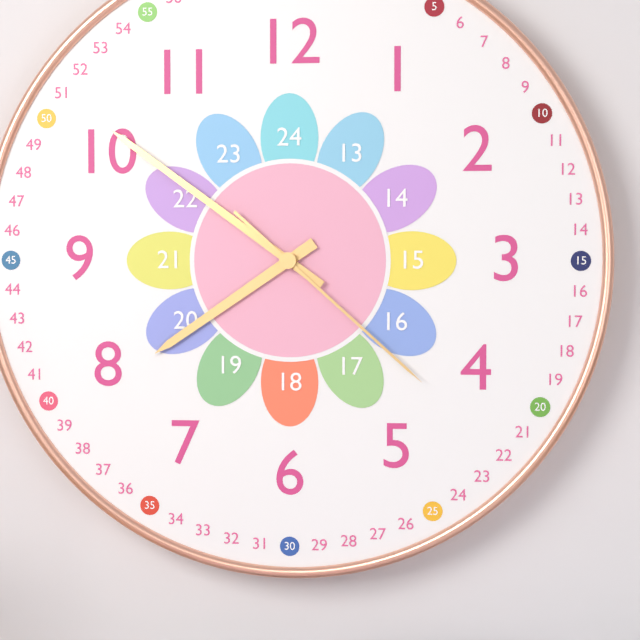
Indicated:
h=7 m=51 s=22
